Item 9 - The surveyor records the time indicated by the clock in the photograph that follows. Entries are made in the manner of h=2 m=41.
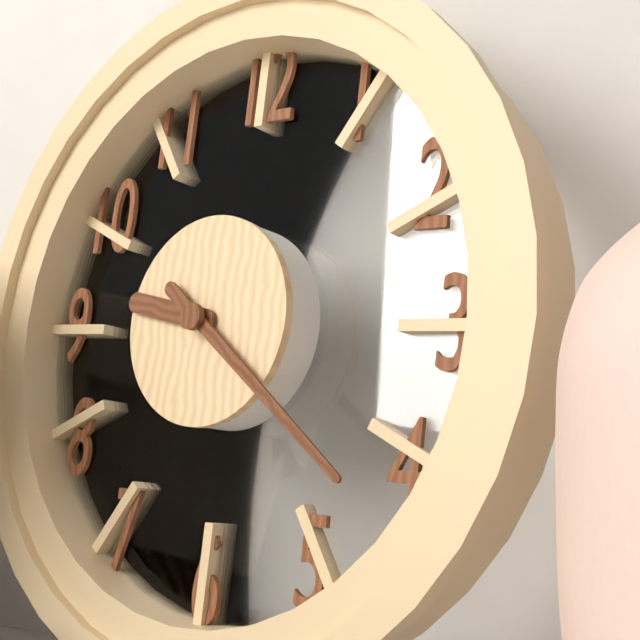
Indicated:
h=9 m=21
